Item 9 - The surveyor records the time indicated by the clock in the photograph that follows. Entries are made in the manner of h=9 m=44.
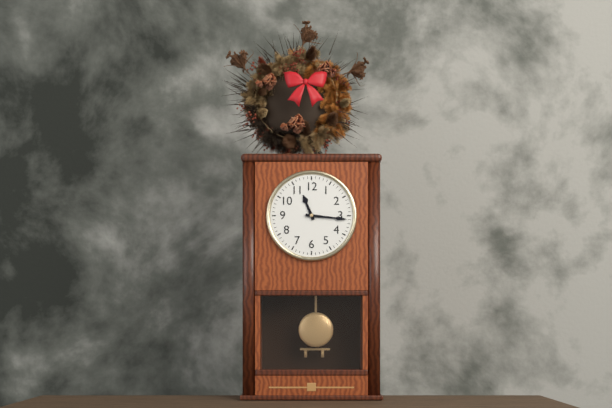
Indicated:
h=11 m=16
